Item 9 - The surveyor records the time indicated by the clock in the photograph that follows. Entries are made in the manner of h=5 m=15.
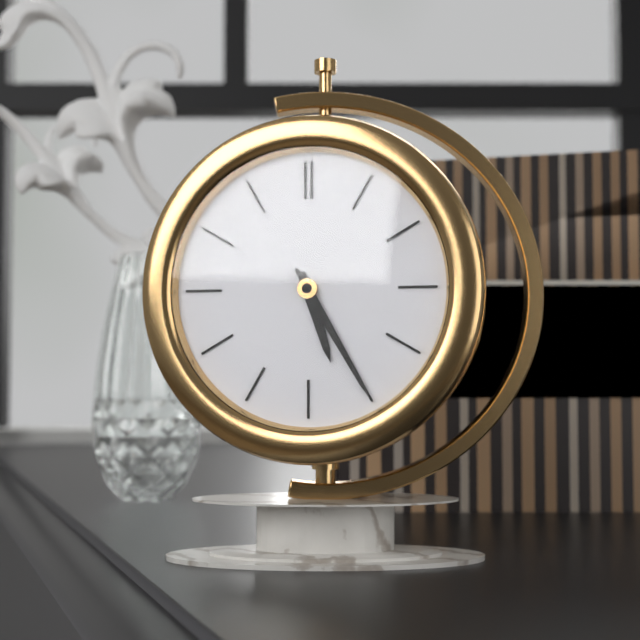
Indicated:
h=5 m=25
